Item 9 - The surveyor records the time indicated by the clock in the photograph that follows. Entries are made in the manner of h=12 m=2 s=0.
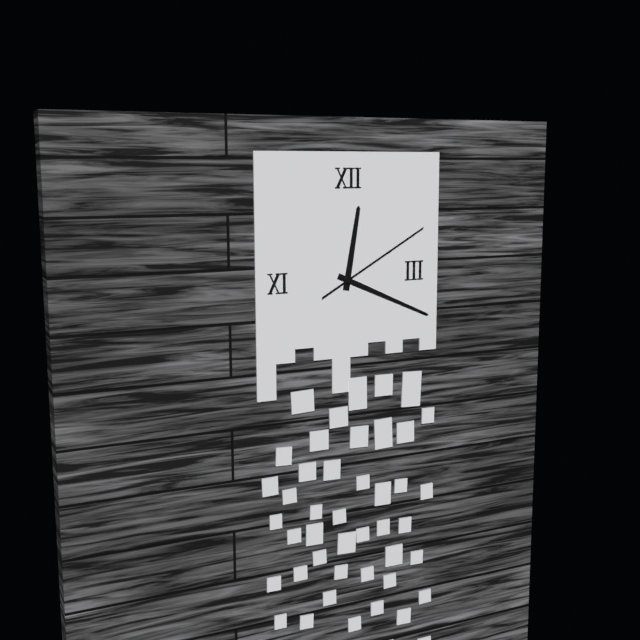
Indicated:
h=12 m=19 s=10
